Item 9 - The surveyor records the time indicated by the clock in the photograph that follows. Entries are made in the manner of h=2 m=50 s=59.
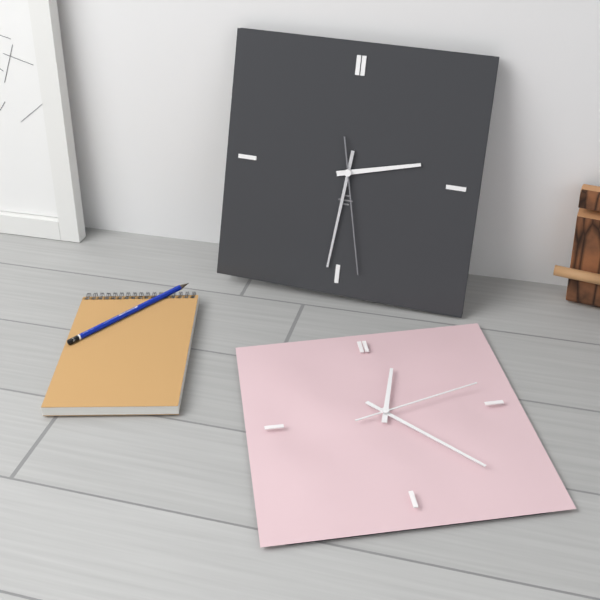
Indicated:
h=2 m=31 s=28
